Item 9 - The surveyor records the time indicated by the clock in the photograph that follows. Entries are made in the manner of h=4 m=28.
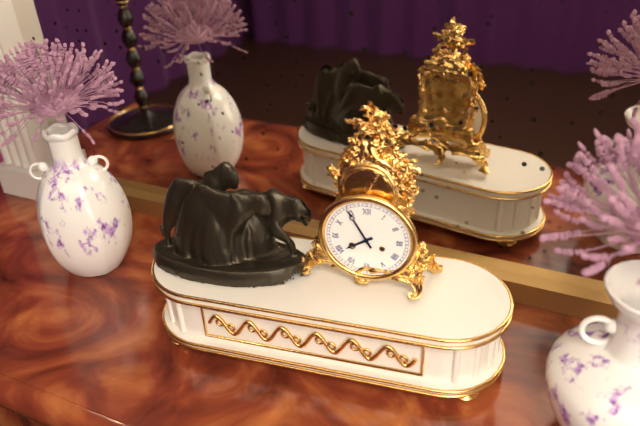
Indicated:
h=7 m=55
